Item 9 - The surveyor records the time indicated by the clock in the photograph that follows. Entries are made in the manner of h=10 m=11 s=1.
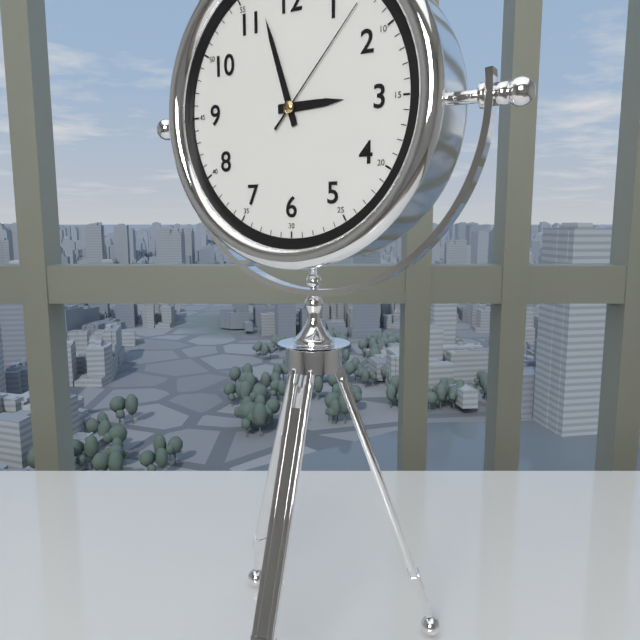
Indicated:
h=2 m=57 s=7
